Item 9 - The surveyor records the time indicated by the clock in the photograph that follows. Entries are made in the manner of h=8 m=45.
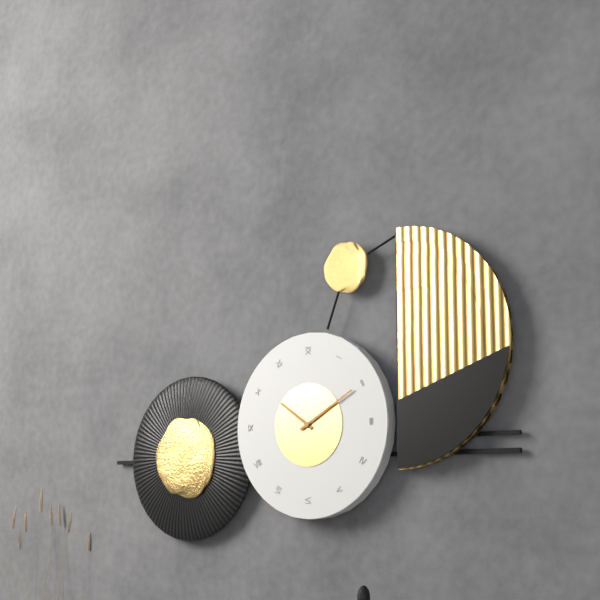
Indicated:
h=10 m=10
